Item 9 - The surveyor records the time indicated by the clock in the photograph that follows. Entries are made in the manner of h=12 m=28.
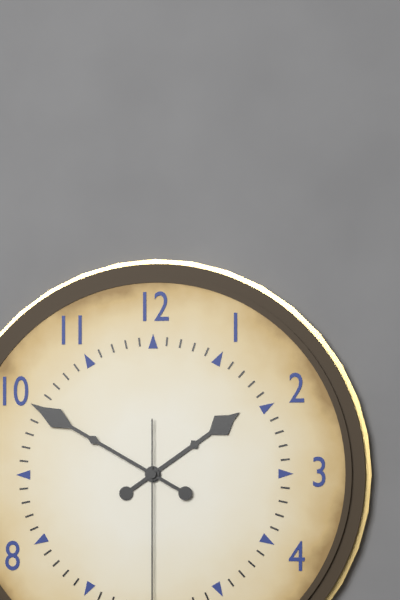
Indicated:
h=1 m=50
